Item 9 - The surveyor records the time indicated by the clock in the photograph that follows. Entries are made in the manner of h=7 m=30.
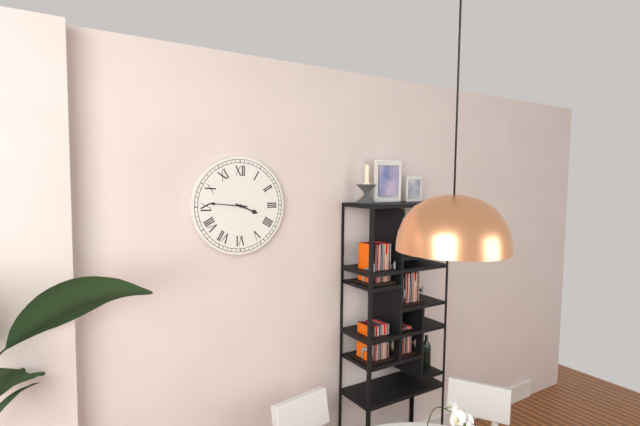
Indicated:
h=3 m=46
